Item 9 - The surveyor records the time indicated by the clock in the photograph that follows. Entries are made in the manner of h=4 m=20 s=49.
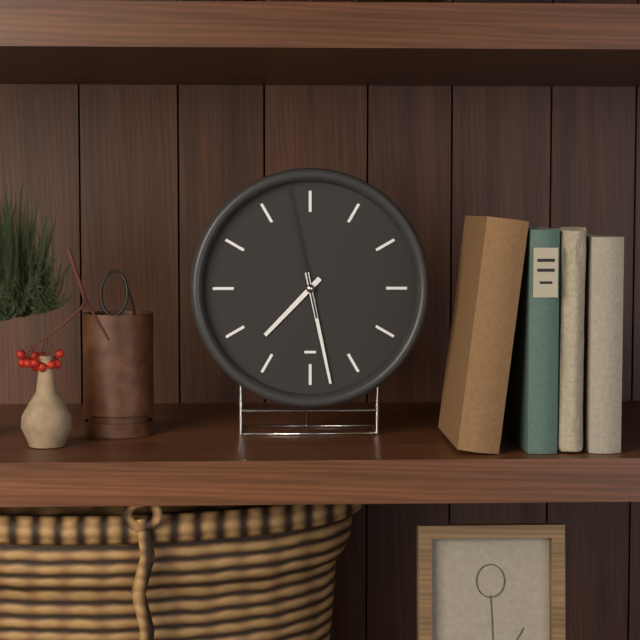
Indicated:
h=7 m=28 s=58
